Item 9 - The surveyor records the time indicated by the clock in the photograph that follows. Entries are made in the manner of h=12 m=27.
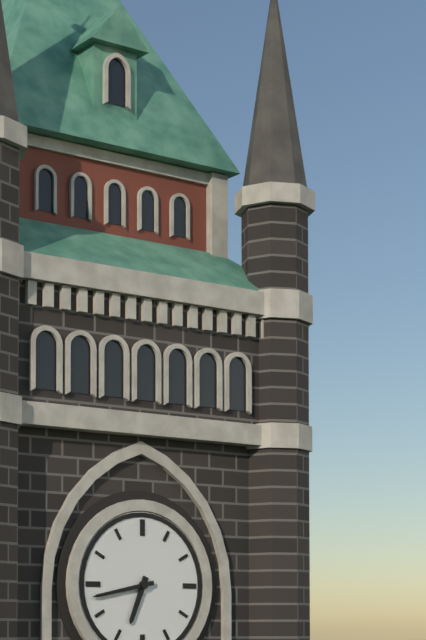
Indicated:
h=6 m=43
